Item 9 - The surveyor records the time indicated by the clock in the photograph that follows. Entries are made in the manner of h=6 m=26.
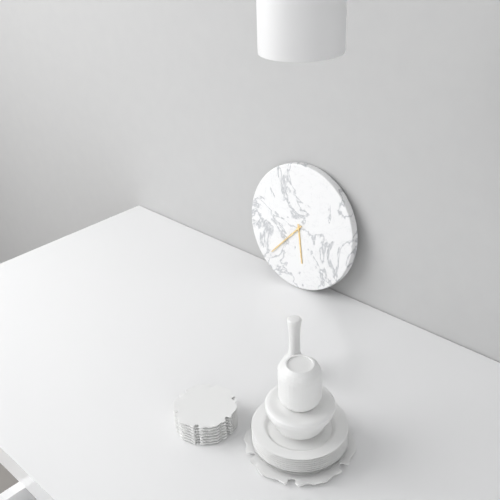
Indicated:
h=5 m=37
